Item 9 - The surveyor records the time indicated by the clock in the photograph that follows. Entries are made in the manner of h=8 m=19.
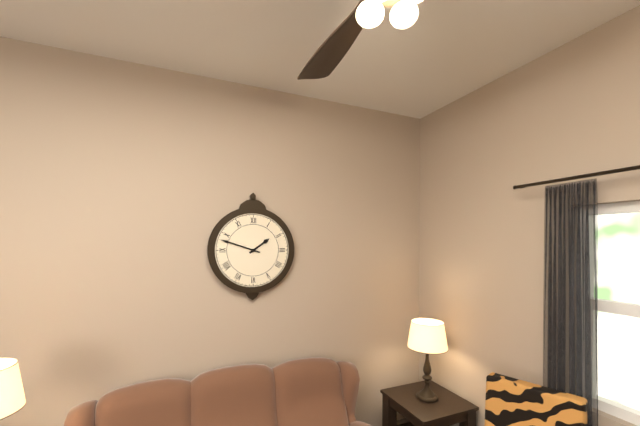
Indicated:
h=1 m=48
